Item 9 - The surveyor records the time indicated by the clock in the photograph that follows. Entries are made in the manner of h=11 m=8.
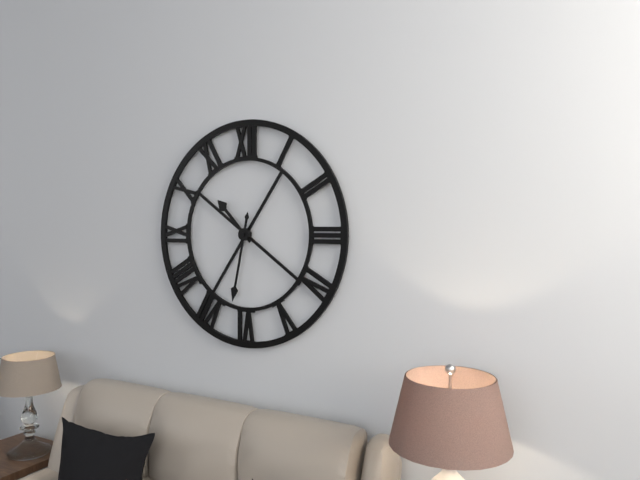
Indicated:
h=10 m=32
